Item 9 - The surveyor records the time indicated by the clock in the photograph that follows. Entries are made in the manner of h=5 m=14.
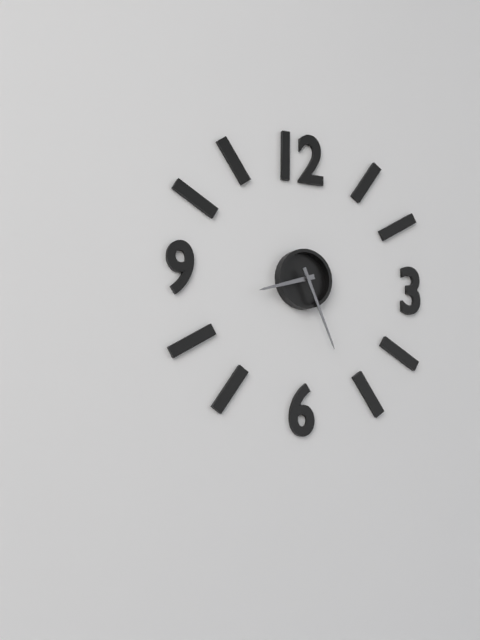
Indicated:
h=8 m=26
